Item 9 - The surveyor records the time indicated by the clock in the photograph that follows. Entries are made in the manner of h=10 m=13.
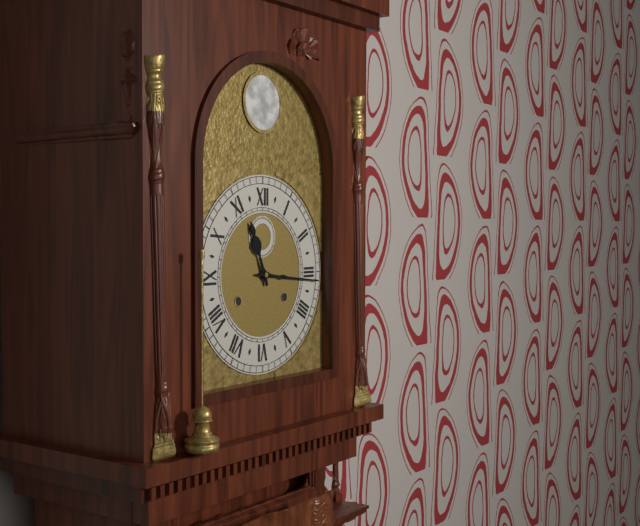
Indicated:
h=11 m=16
